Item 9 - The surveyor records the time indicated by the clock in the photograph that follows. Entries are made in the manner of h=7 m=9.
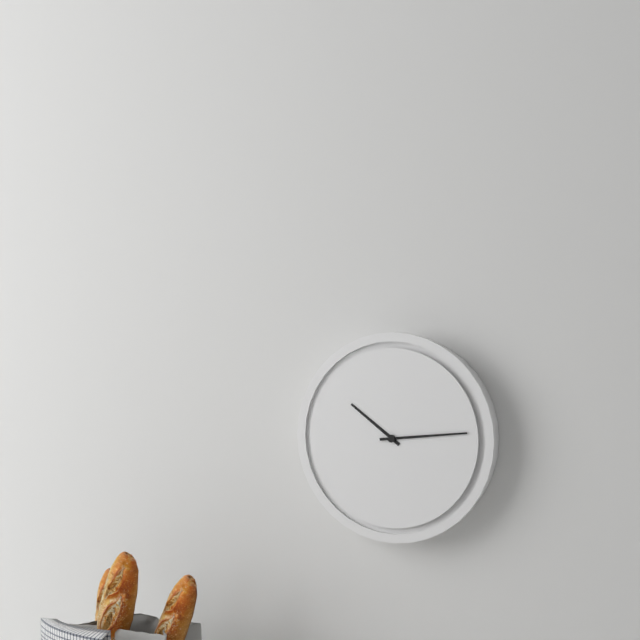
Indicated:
h=10 m=14
